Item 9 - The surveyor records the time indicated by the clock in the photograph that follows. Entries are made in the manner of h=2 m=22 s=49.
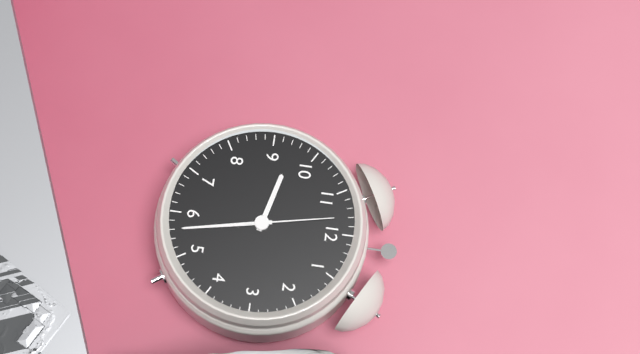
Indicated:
h=9 m=28 s=58
